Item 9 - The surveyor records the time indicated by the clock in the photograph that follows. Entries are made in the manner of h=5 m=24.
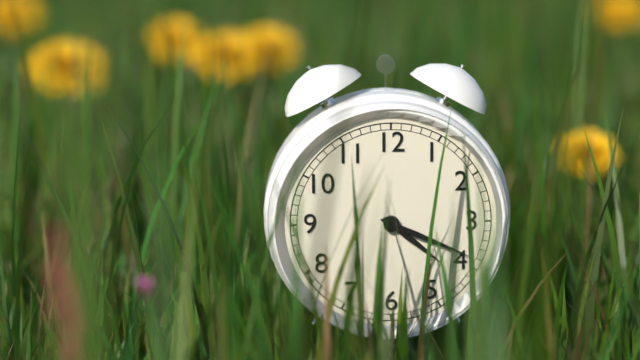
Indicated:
h=4 m=19
